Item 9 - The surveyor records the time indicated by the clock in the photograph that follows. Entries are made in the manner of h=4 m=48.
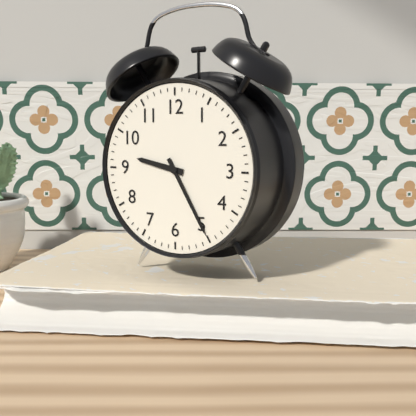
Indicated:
h=9 m=25
